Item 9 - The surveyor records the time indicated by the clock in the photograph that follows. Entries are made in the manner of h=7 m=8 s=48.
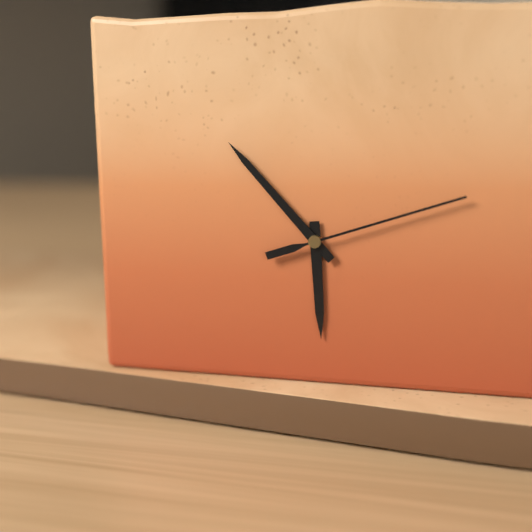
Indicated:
h=5 m=53 s=12
